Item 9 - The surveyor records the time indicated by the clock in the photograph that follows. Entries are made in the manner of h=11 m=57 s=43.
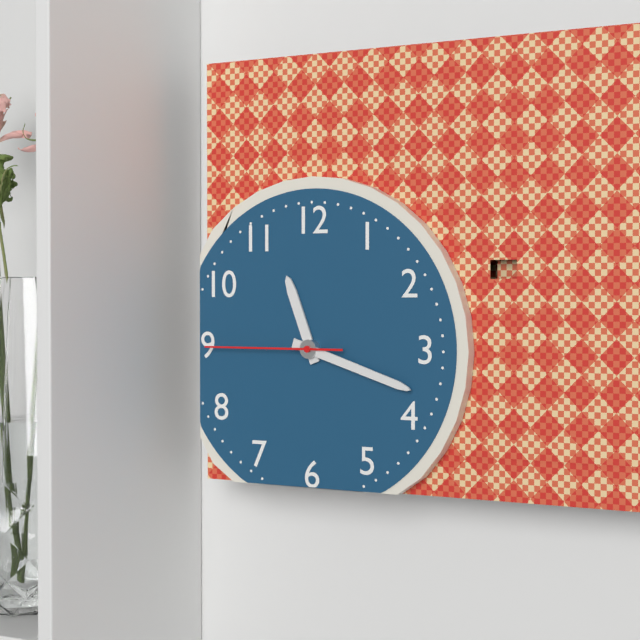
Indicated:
h=11 m=18 s=45
